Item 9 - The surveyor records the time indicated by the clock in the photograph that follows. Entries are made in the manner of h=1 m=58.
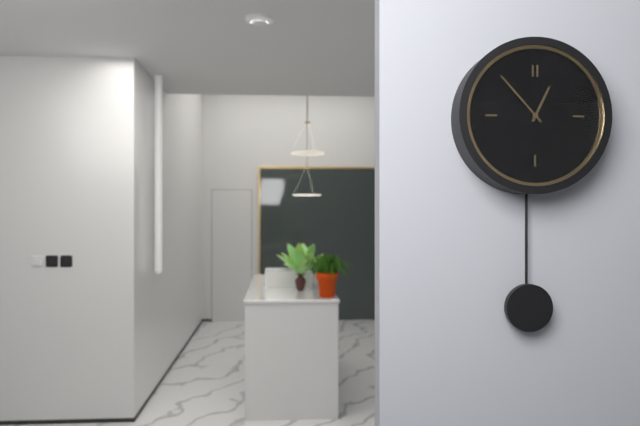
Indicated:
h=12 m=53
